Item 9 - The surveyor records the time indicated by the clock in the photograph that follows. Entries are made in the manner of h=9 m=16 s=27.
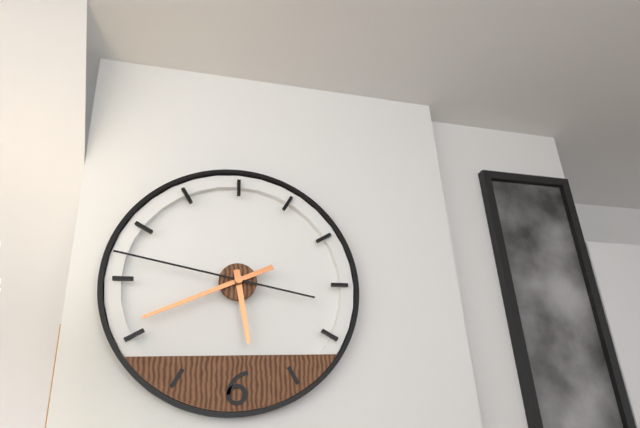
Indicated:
h=5 m=41 s=47
